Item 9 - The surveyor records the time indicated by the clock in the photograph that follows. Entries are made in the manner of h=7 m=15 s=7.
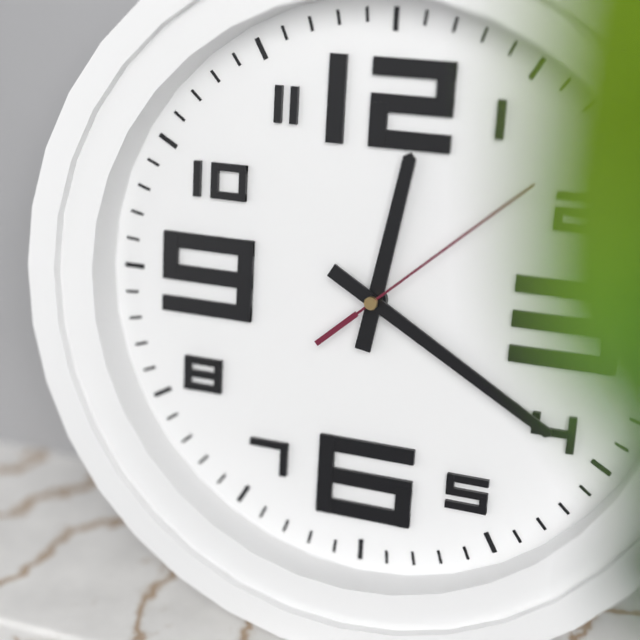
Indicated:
h=12 m=20 s=8
